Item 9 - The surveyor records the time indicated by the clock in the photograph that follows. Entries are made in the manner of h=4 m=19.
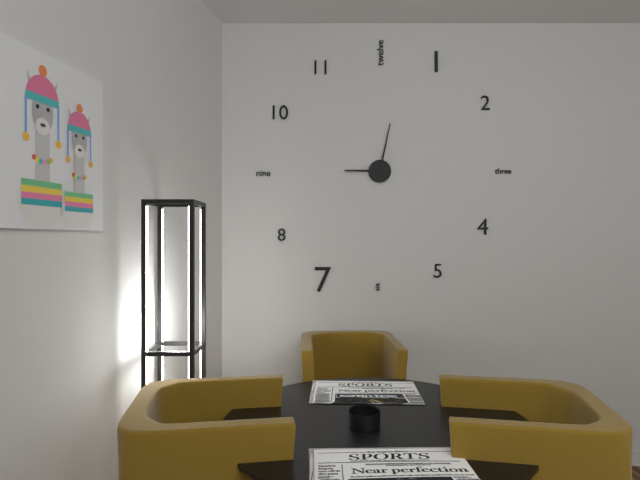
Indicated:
h=9 m=2
